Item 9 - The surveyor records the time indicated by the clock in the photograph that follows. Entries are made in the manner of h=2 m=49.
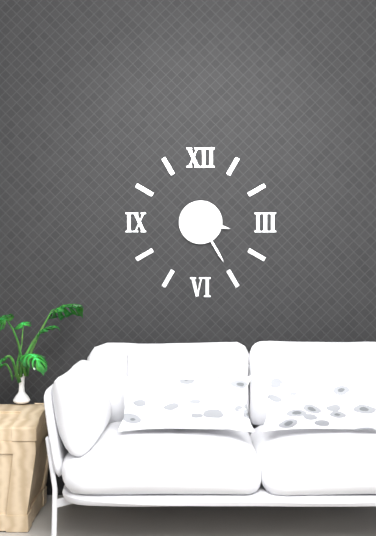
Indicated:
h=3 m=25
